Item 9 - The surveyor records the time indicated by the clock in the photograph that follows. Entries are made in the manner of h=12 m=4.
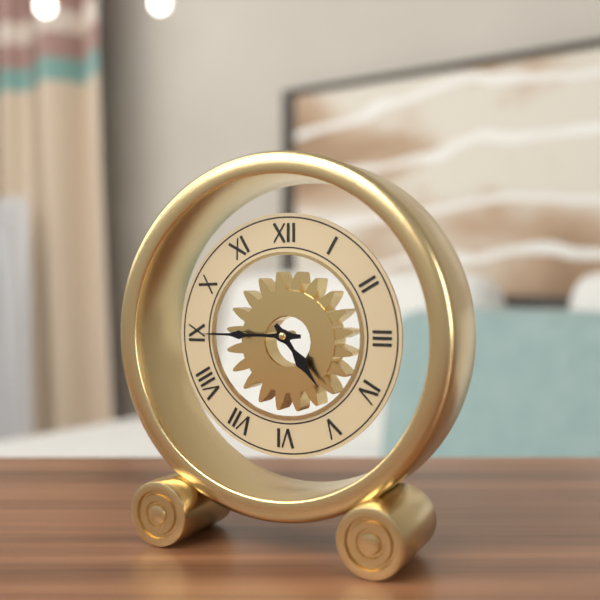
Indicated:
h=4 m=45
